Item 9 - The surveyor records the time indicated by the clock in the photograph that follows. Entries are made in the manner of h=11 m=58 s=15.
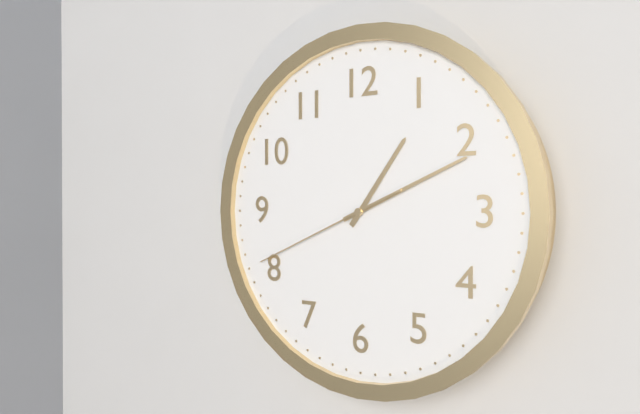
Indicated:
h=1 m=11 s=41
